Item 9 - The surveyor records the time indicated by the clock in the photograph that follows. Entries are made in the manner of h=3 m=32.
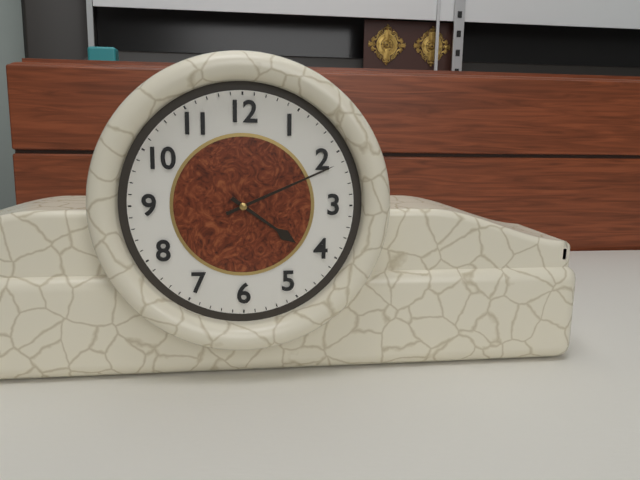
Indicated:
h=4 m=11
